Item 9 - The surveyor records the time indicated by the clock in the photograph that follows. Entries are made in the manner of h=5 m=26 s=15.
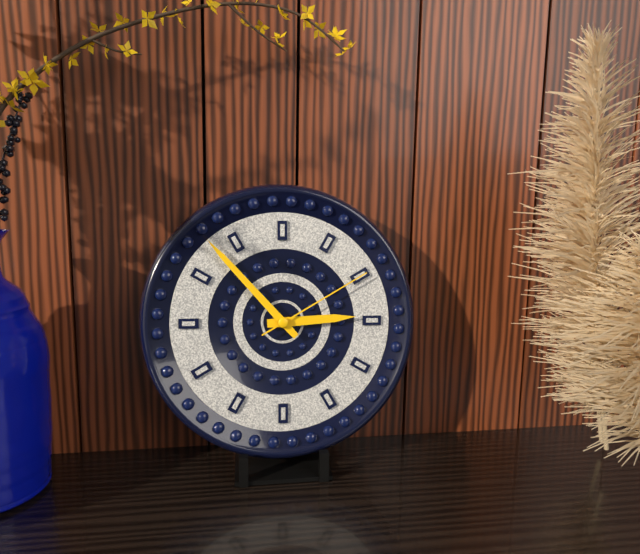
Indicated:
h=2 m=53 s=10
